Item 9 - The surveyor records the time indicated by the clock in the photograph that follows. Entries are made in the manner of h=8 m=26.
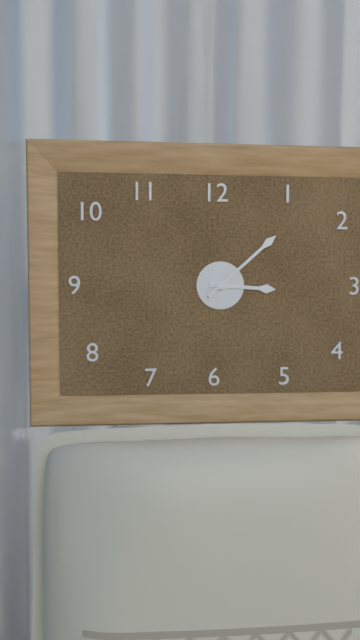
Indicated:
h=3 m=8
